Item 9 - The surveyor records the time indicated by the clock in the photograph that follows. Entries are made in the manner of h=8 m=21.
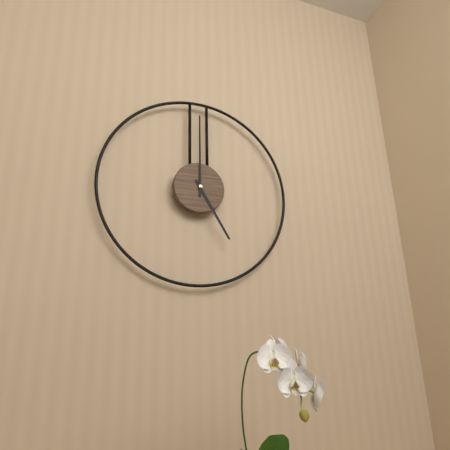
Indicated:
h=5 m=0
